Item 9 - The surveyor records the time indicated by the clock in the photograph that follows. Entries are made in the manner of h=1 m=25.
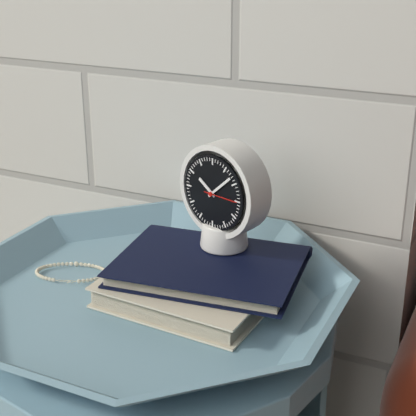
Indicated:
h=10 m=8
